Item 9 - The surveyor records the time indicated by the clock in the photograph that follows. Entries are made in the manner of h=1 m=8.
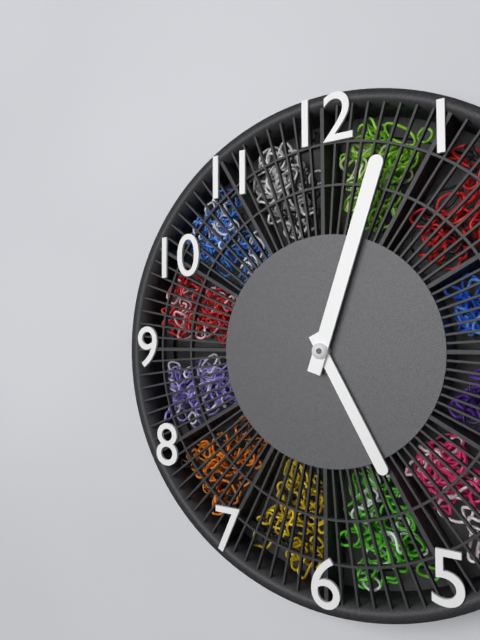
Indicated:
h=5 m=3
